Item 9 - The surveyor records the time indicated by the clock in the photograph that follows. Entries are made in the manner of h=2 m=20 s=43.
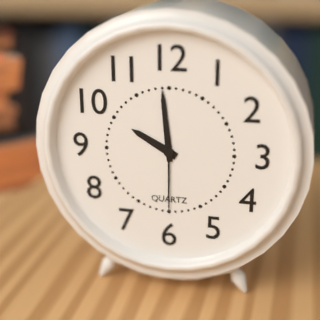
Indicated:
h=9 m=59 s=30
